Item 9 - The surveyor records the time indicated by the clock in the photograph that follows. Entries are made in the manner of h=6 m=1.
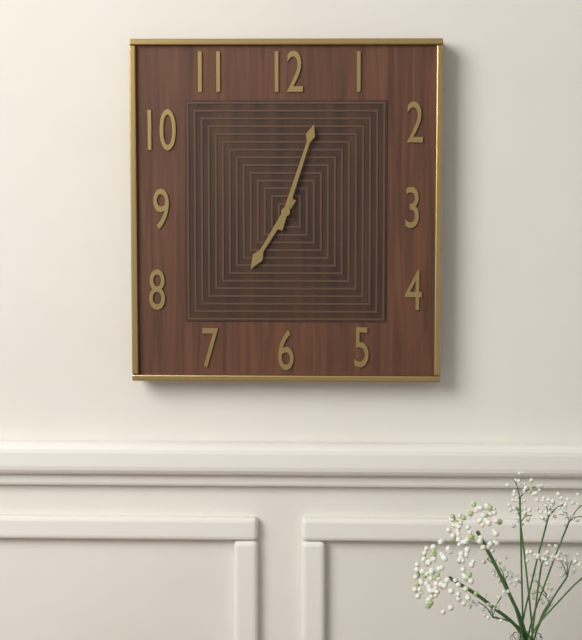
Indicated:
h=7 m=3
